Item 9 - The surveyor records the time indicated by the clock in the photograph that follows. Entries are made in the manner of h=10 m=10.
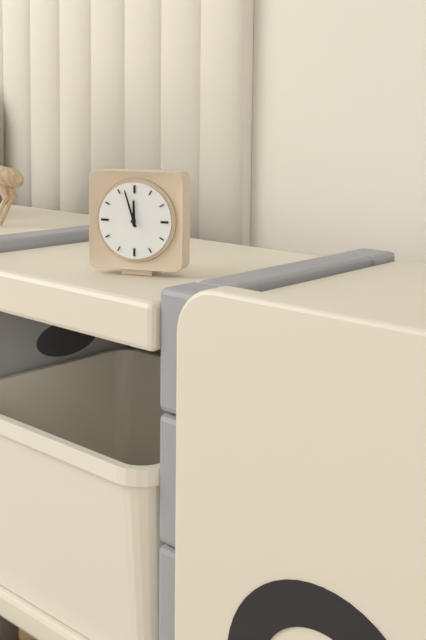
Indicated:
h=11 m=57
